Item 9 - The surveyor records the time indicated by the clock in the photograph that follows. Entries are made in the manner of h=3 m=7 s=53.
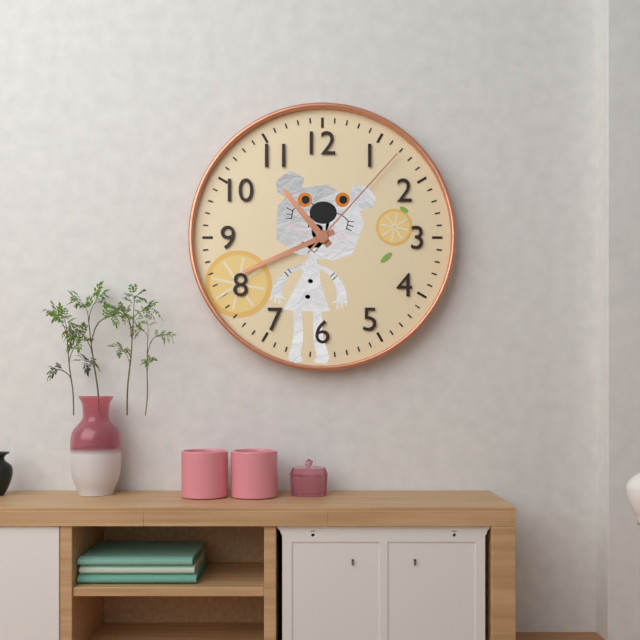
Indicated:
h=10 m=41 s=7
